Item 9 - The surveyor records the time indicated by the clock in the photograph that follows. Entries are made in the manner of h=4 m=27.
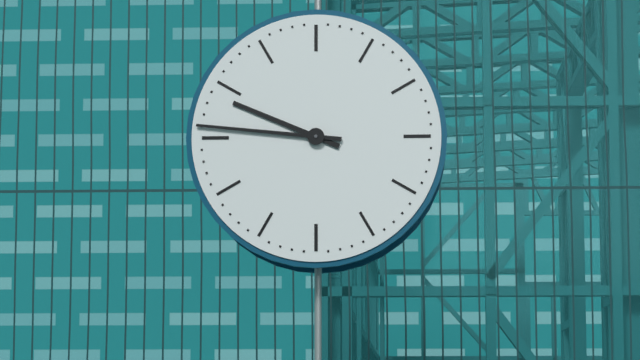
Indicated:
h=9 m=46
